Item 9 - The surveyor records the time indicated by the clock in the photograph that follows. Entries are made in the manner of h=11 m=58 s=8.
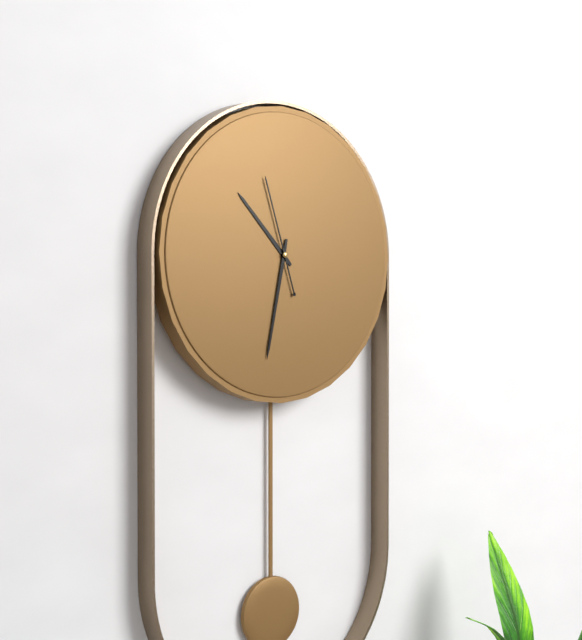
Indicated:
h=10 m=32 s=57
